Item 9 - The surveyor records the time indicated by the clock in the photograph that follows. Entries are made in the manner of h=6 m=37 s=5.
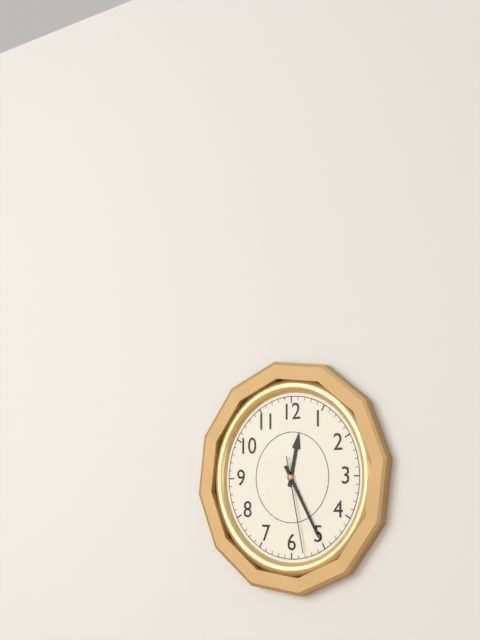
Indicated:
h=12 m=25 s=28
